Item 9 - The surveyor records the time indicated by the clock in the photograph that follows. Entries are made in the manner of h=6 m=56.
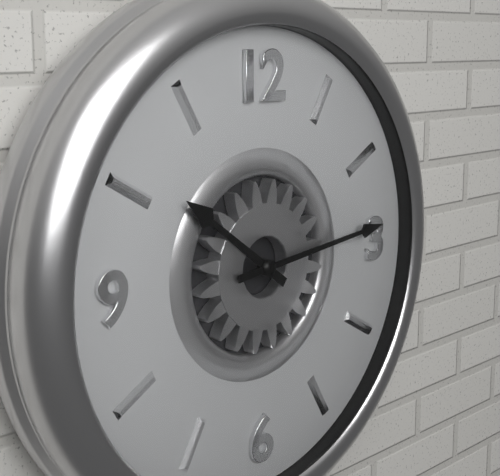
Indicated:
h=10 m=14
